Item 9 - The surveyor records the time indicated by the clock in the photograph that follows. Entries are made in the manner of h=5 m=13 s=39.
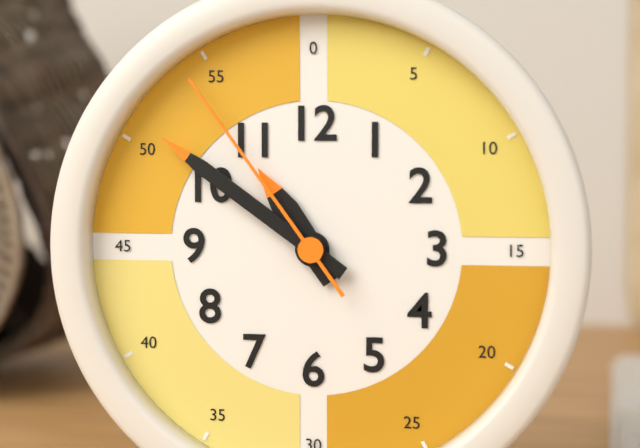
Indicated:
h=10 m=51 s=54
